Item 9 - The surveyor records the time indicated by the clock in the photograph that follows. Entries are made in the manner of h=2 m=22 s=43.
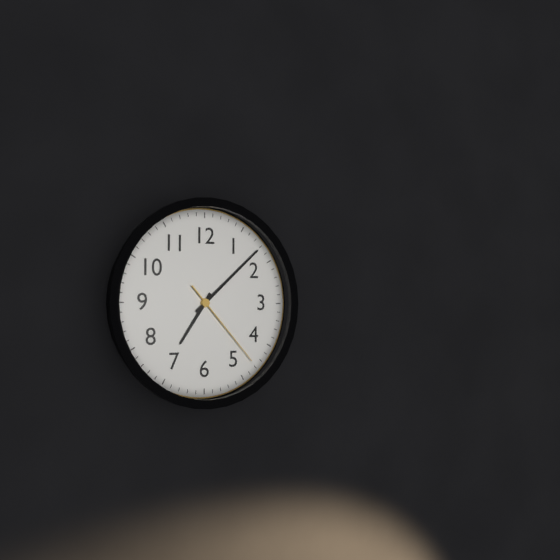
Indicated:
h=7 m=8 s=23
